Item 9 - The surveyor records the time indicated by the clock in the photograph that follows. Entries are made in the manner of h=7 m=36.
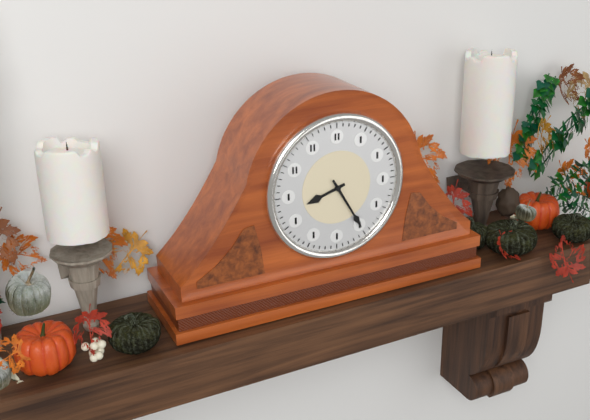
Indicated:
h=8 m=25
